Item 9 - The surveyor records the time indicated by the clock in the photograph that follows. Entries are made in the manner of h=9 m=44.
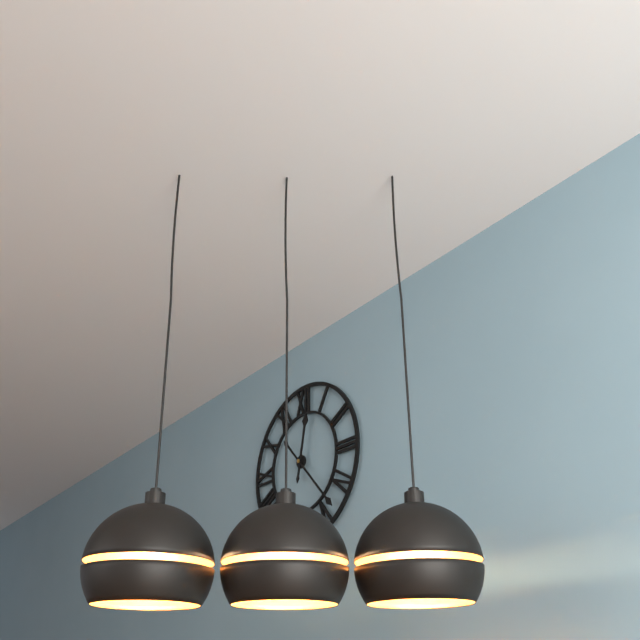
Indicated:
h=12 m=23
